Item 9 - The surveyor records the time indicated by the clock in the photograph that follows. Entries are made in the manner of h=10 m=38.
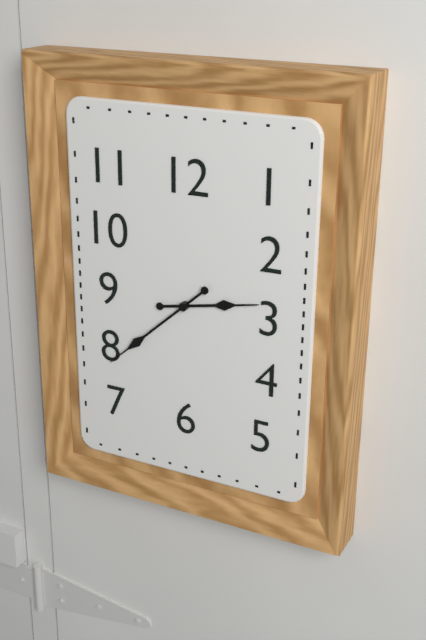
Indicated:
h=2 m=38
